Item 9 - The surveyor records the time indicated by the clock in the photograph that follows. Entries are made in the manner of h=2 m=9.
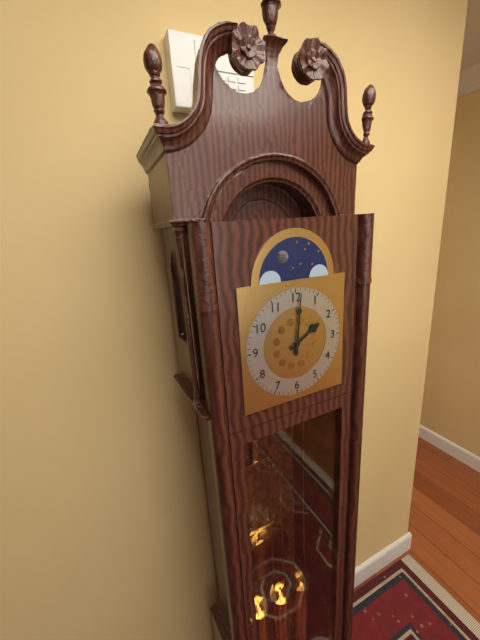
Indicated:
h=2 m=1
